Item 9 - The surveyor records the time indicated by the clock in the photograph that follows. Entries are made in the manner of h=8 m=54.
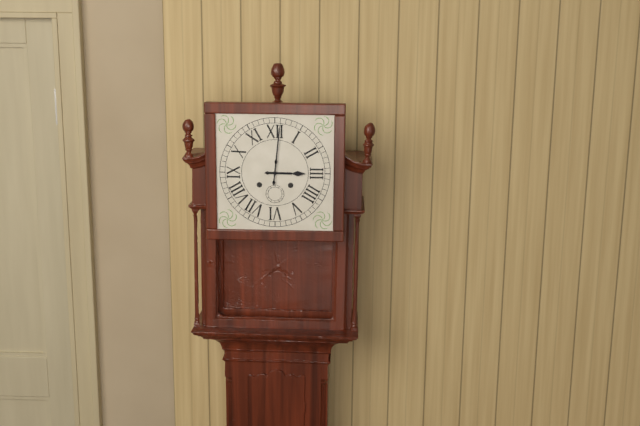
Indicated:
h=3 m=1
